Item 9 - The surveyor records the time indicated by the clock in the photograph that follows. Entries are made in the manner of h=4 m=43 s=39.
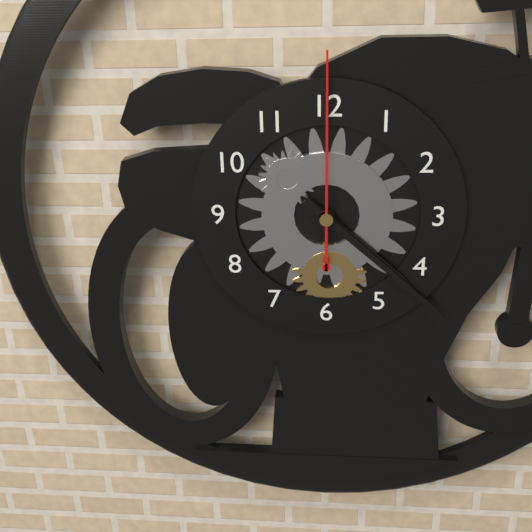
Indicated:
h=4 m=22 s=0
